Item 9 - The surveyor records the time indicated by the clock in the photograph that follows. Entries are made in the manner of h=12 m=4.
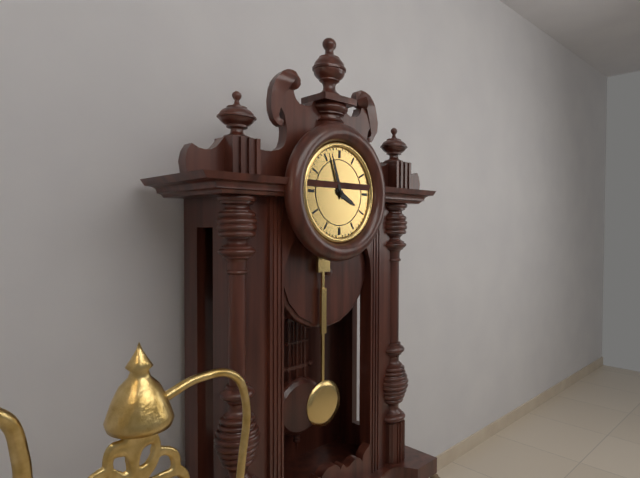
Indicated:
h=3 m=57
